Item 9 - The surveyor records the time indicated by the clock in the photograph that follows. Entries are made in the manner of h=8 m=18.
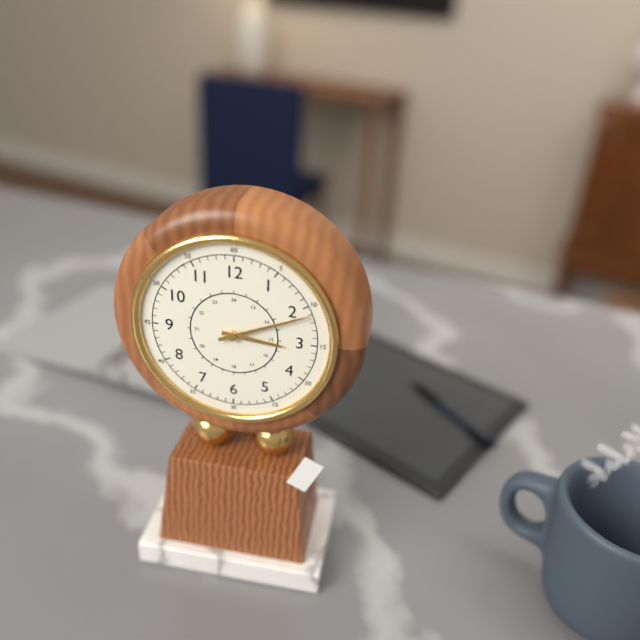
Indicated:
h=3 m=11
